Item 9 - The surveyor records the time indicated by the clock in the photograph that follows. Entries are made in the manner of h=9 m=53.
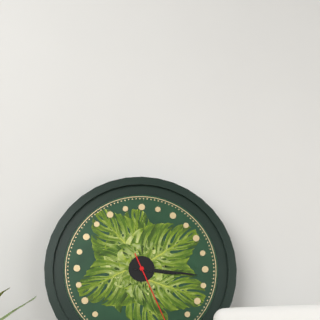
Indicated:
h=3 m=16
